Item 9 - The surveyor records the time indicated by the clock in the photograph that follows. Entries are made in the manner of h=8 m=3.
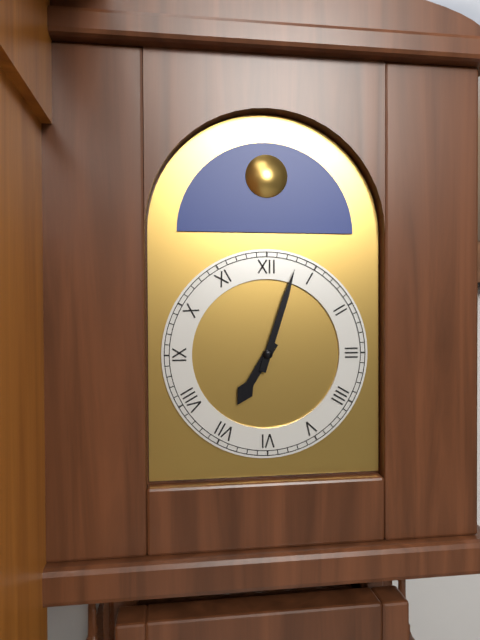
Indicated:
h=7 m=3
